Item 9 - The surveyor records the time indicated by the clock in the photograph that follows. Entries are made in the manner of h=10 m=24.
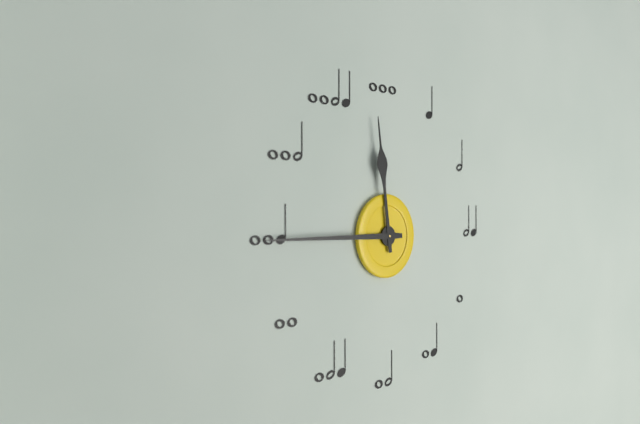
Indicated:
h=11 m=45
